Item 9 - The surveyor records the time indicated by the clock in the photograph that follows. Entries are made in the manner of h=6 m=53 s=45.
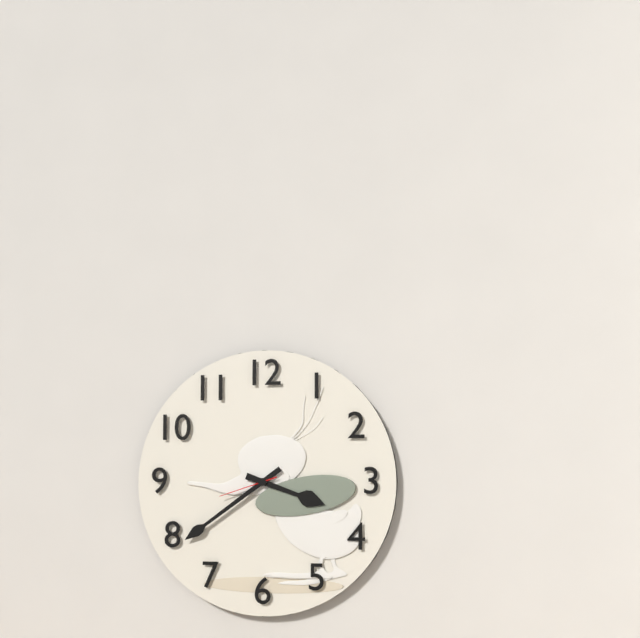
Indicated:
h=3 m=39 s=42
